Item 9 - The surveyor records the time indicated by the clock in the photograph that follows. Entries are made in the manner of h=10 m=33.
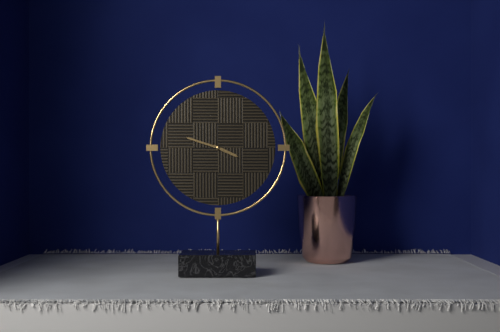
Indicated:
h=3 m=48
